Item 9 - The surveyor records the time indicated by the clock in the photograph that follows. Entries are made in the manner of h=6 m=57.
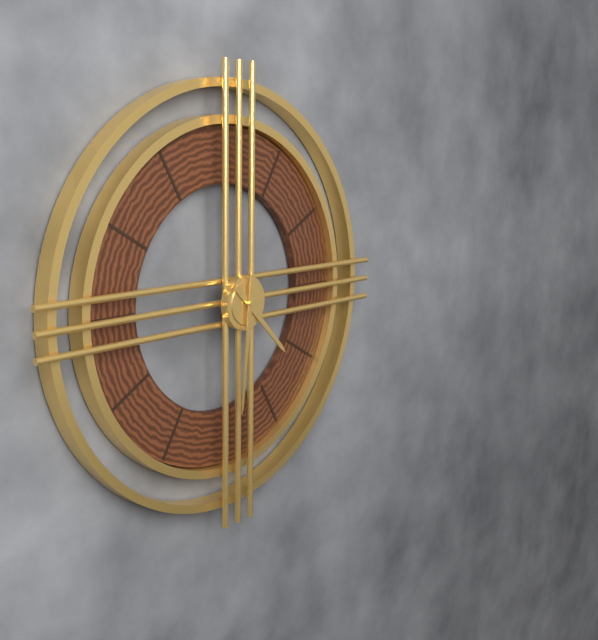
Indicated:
h=4 m=31
